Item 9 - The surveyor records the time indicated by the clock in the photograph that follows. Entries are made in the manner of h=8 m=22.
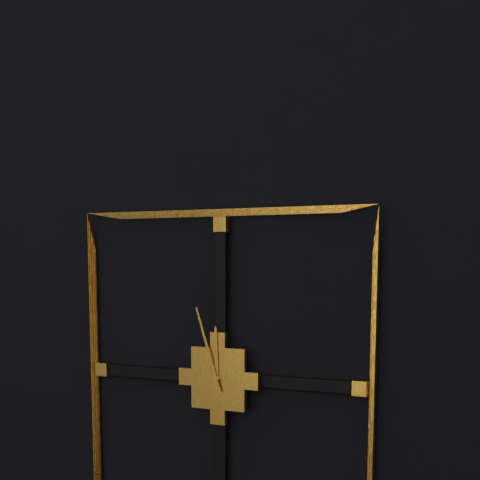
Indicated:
h=11 m=57
